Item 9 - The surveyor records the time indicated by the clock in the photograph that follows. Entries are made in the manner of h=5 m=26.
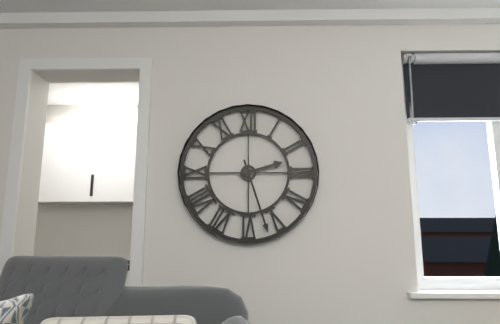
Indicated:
h=2 m=27
